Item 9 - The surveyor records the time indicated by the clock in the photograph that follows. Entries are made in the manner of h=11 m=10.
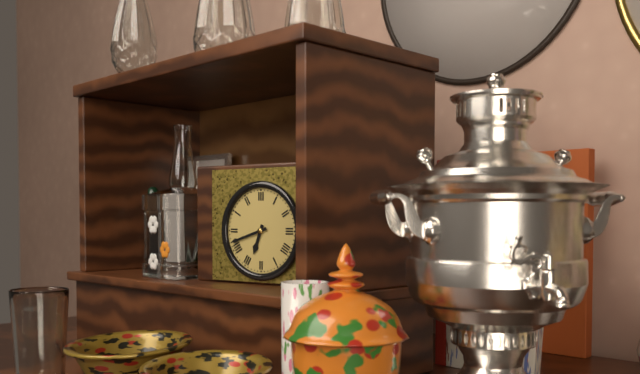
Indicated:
h=6 m=42
